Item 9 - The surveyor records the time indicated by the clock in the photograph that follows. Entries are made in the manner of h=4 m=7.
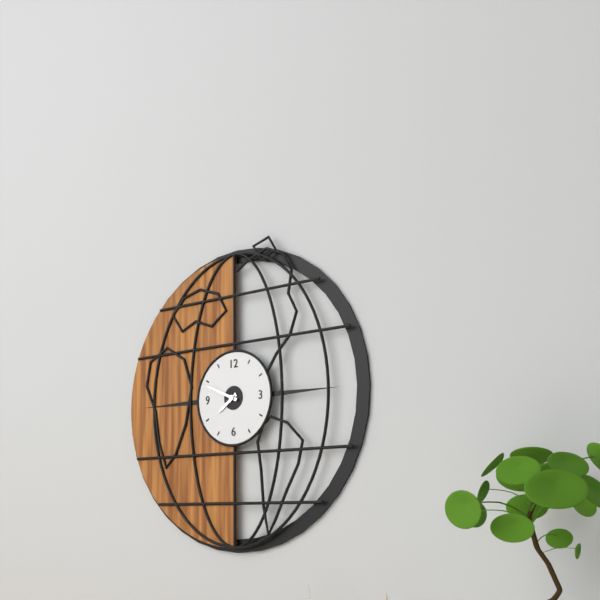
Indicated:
h=7 m=49
